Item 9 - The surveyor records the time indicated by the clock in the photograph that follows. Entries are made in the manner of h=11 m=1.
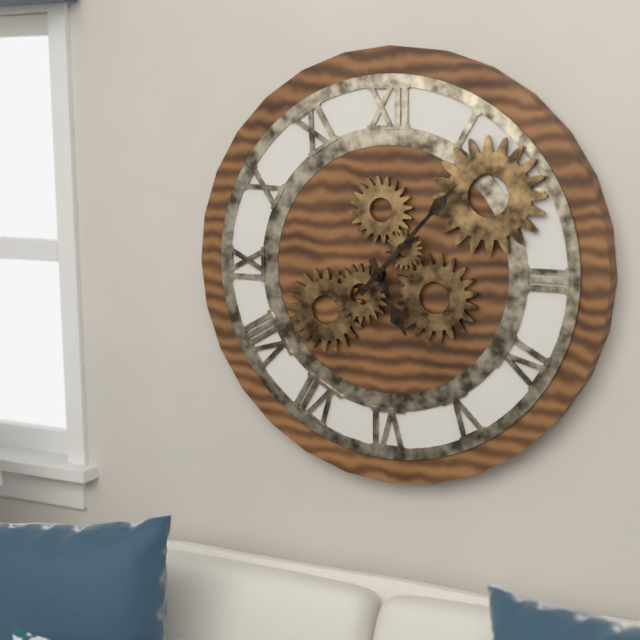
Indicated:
h=5 m=7
